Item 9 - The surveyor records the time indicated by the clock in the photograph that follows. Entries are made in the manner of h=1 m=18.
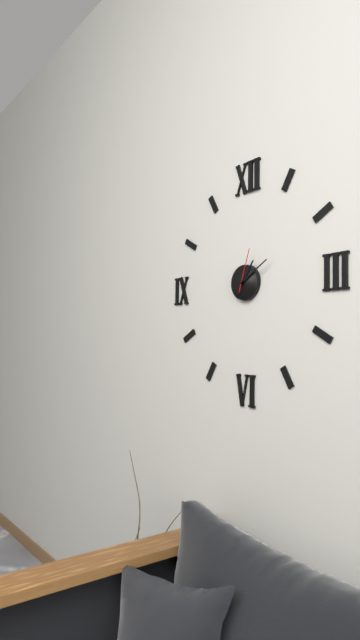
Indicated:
h=1 m=10
